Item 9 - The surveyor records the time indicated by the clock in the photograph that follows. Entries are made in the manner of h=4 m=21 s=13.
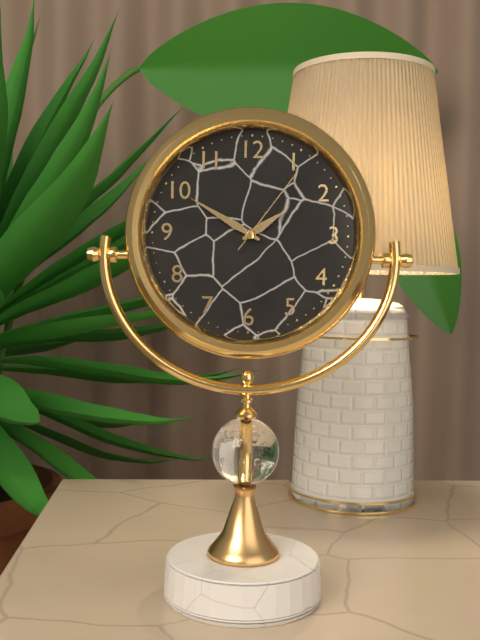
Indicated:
h=1 m=50 s=6
